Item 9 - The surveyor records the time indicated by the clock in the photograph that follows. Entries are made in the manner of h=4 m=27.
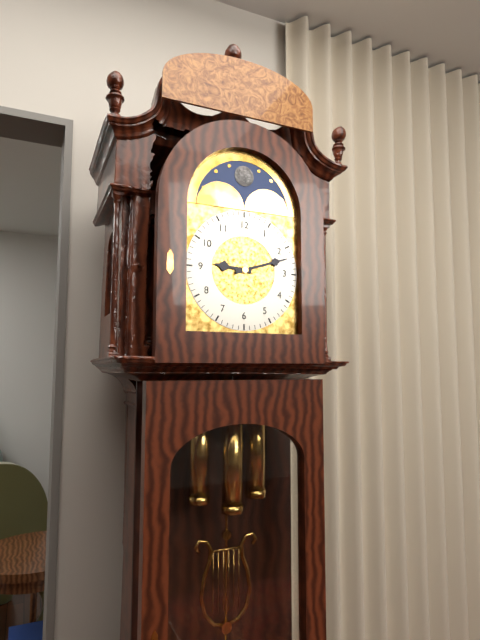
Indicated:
h=9 m=12
